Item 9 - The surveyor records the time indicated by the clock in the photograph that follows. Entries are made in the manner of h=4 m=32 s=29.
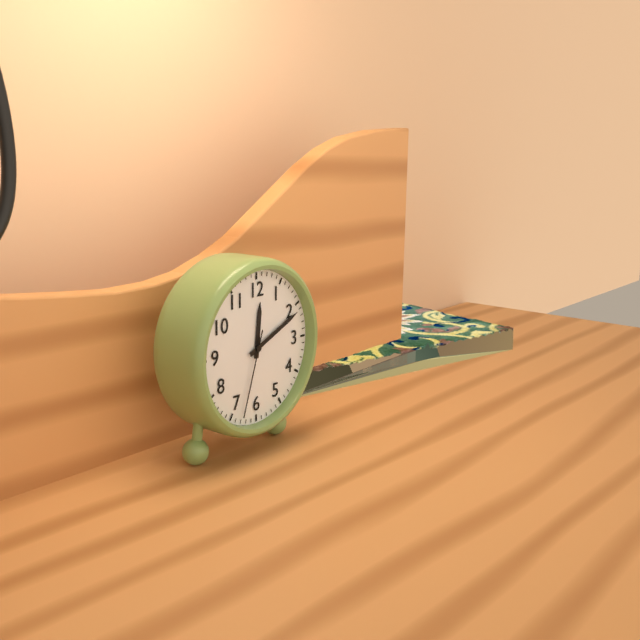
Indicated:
h=12 m=11 s=33
